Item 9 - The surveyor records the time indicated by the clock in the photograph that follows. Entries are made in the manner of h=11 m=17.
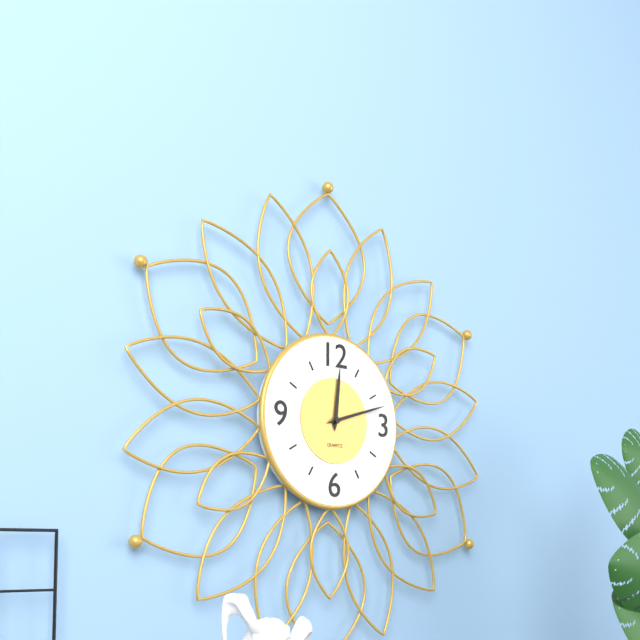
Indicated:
h=12 m=12
